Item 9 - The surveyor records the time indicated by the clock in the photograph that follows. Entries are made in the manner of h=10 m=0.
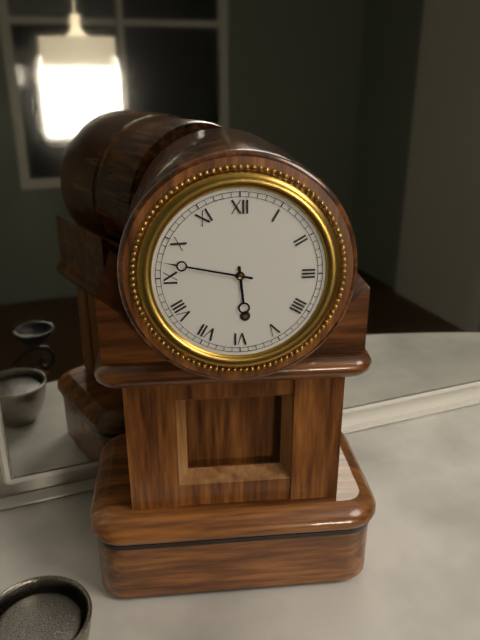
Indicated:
h=5 m=47
